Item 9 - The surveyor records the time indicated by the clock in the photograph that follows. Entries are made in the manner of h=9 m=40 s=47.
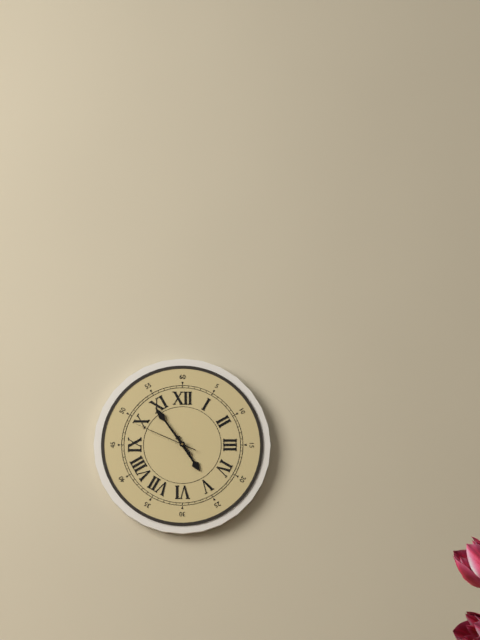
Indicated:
h=4 m=54 s=49
